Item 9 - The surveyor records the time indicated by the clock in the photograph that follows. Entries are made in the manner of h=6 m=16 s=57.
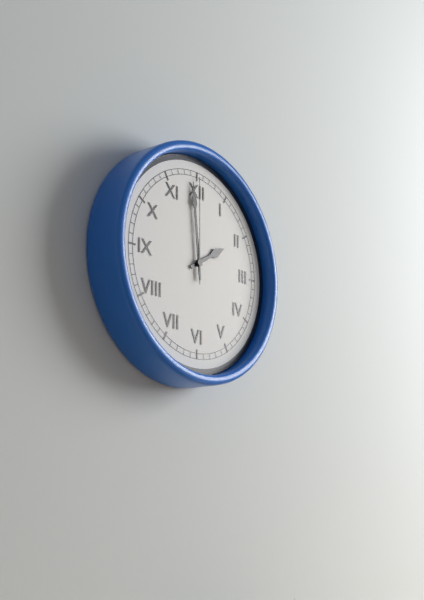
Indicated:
h=1 m=59 s=0
